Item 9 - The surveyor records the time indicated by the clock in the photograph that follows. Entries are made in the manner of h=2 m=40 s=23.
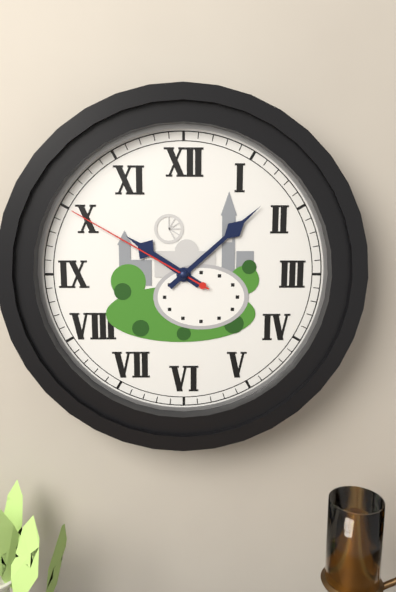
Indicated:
h=10 m=8 s=50
